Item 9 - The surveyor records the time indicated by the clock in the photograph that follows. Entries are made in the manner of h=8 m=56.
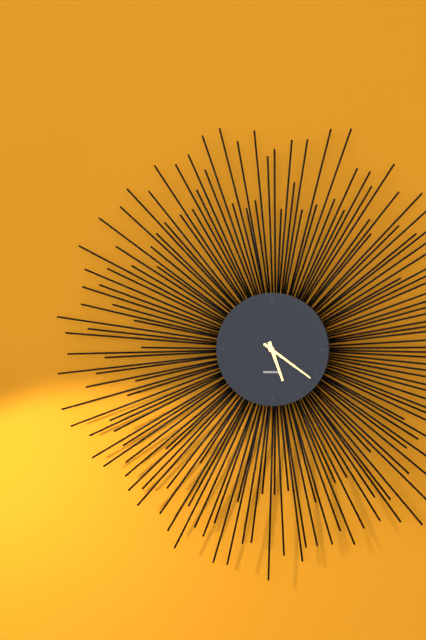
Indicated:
h=5 m=21
